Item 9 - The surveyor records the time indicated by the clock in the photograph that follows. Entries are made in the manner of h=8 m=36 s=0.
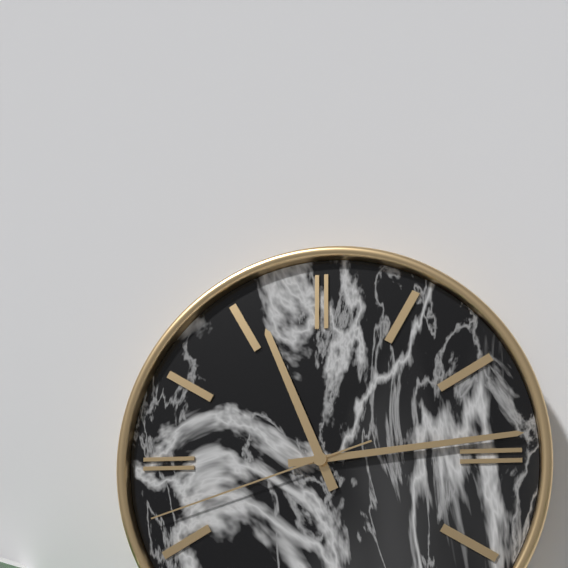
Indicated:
h=11 m=14 s=42
